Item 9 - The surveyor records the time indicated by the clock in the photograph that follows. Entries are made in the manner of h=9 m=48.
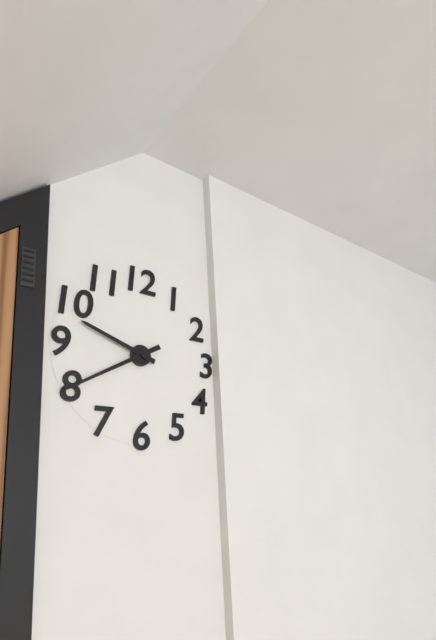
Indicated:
h=9 m=40
